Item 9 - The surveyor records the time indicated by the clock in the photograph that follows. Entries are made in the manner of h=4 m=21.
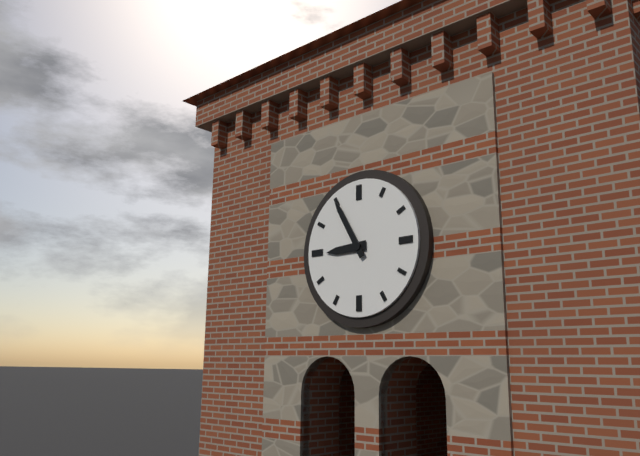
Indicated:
h=8 m=55
